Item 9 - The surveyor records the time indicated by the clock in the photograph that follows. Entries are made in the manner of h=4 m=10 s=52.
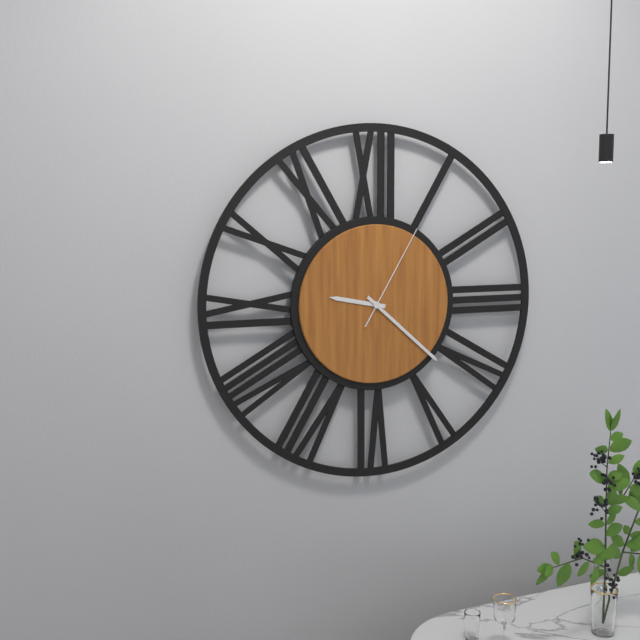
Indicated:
h=9 m=22 s=5
